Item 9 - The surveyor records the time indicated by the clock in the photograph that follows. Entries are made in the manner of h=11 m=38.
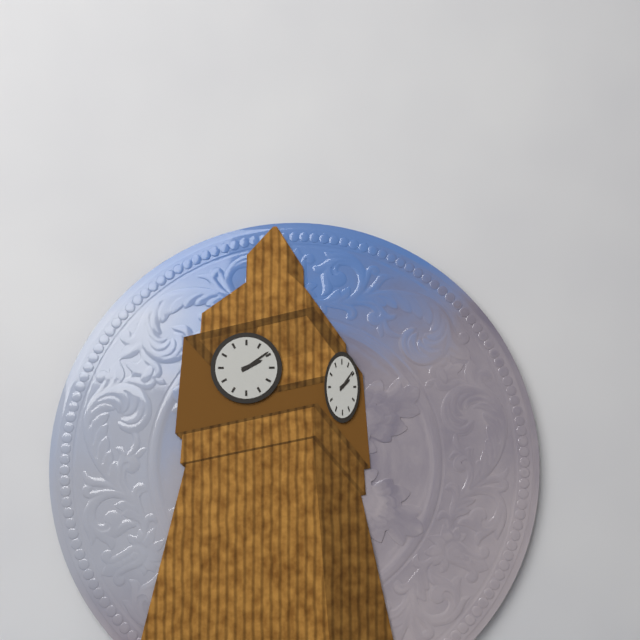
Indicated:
h=2 m=9
